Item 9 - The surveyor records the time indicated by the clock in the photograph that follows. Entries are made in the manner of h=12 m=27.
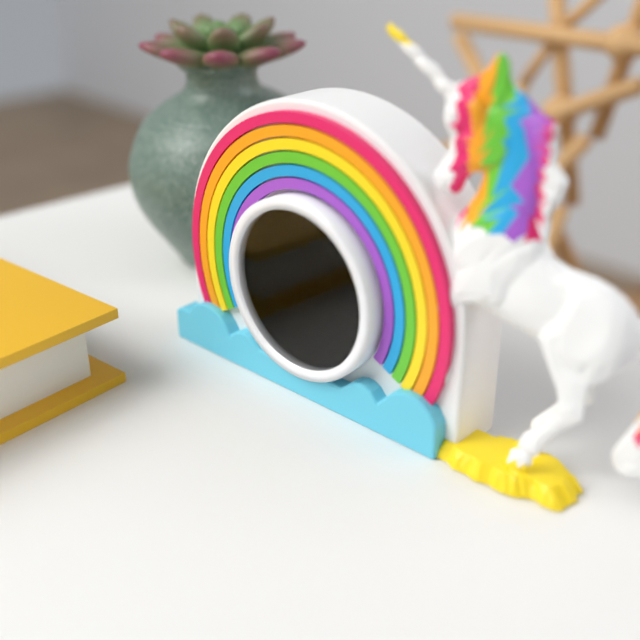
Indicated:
h=10 m=47
